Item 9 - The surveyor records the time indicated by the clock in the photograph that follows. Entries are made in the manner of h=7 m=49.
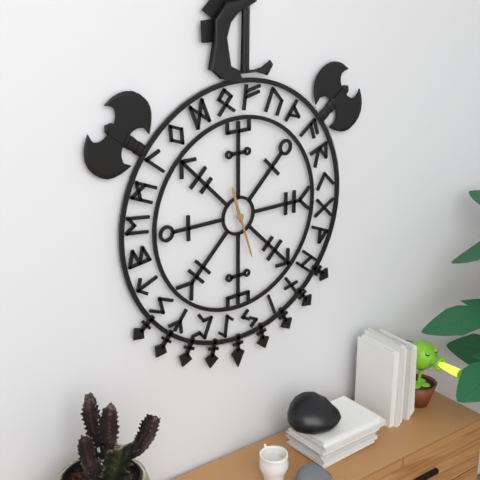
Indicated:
h=11 m=27
